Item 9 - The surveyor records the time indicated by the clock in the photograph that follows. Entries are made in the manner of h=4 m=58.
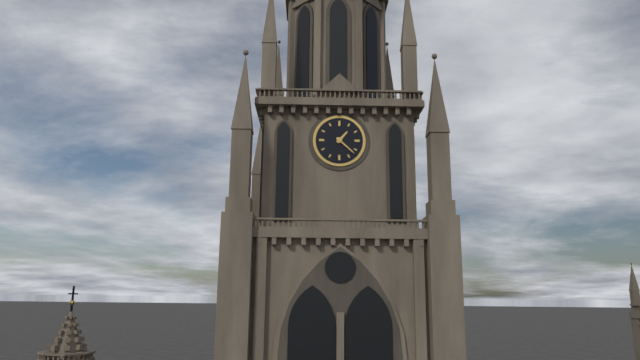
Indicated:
h=1 m=22
